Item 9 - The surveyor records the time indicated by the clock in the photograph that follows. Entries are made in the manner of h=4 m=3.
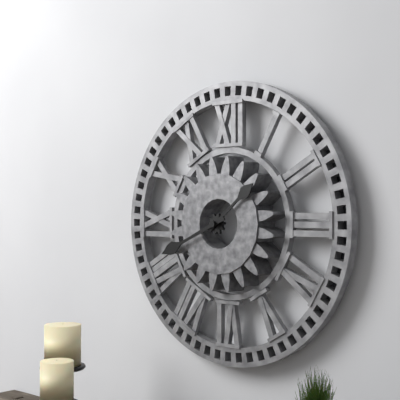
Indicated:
h=1 m=41
